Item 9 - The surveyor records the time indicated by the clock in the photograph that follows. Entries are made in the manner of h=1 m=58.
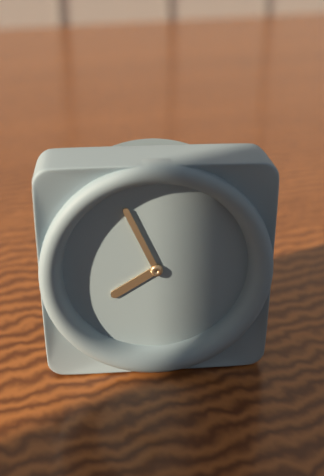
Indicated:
h=7 m=56
